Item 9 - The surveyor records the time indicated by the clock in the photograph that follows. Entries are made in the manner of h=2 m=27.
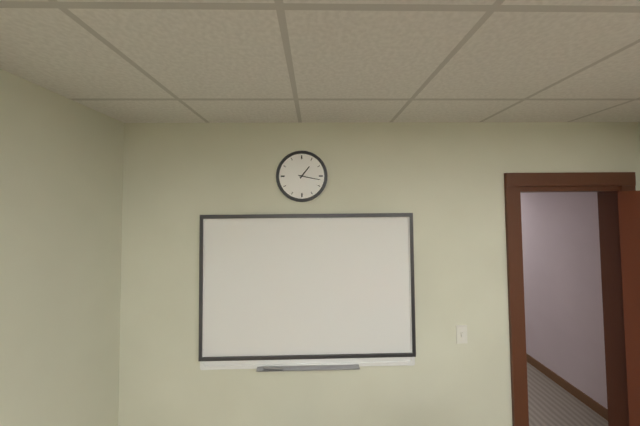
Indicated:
h=1 m=17
